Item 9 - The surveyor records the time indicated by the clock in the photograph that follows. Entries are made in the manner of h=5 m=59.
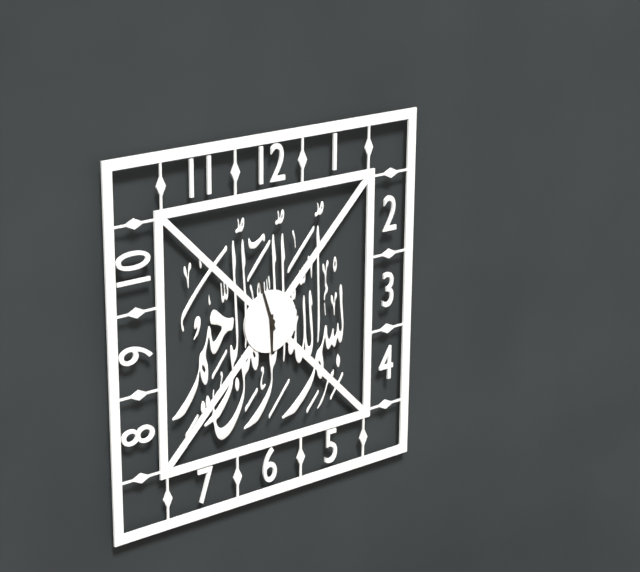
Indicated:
h=5 m=57
